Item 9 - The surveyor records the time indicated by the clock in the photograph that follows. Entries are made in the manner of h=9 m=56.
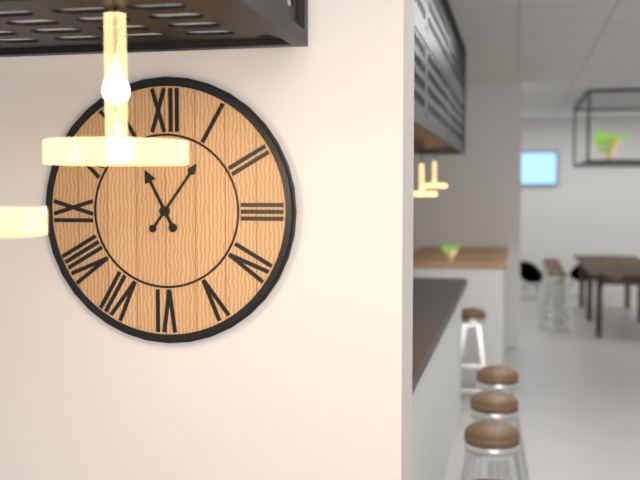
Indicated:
h=11 m=6
